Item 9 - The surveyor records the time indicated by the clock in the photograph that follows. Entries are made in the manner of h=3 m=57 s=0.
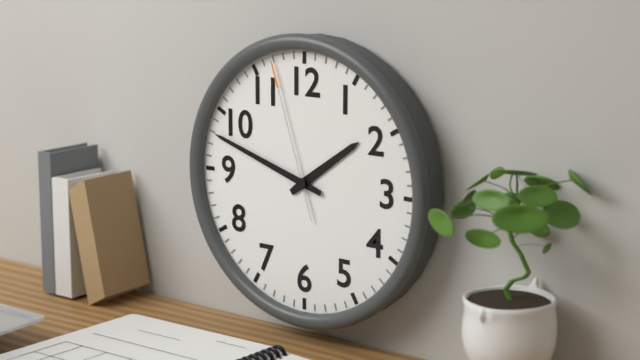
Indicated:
h=1 m=48 s=57
